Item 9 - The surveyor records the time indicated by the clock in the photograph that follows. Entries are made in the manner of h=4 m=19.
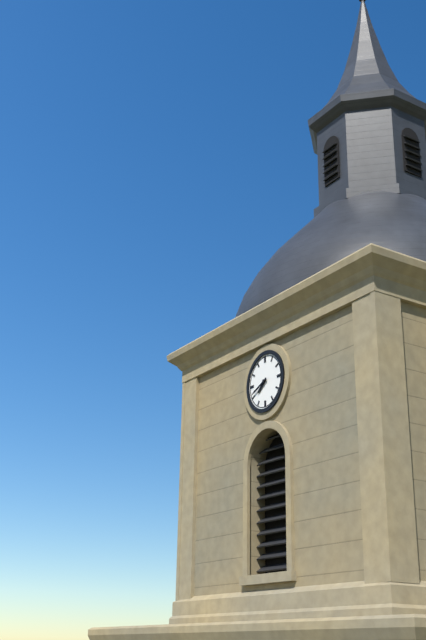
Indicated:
h=7 m=41
